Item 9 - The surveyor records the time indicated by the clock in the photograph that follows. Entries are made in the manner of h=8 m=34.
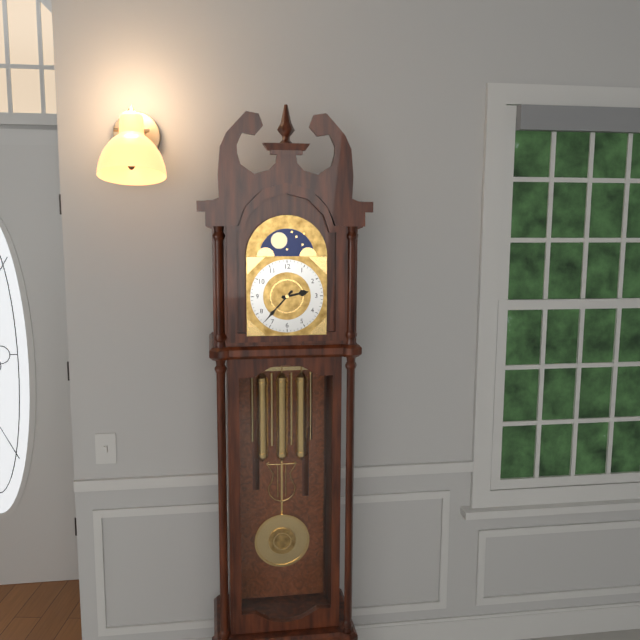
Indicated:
h=2 m=37
